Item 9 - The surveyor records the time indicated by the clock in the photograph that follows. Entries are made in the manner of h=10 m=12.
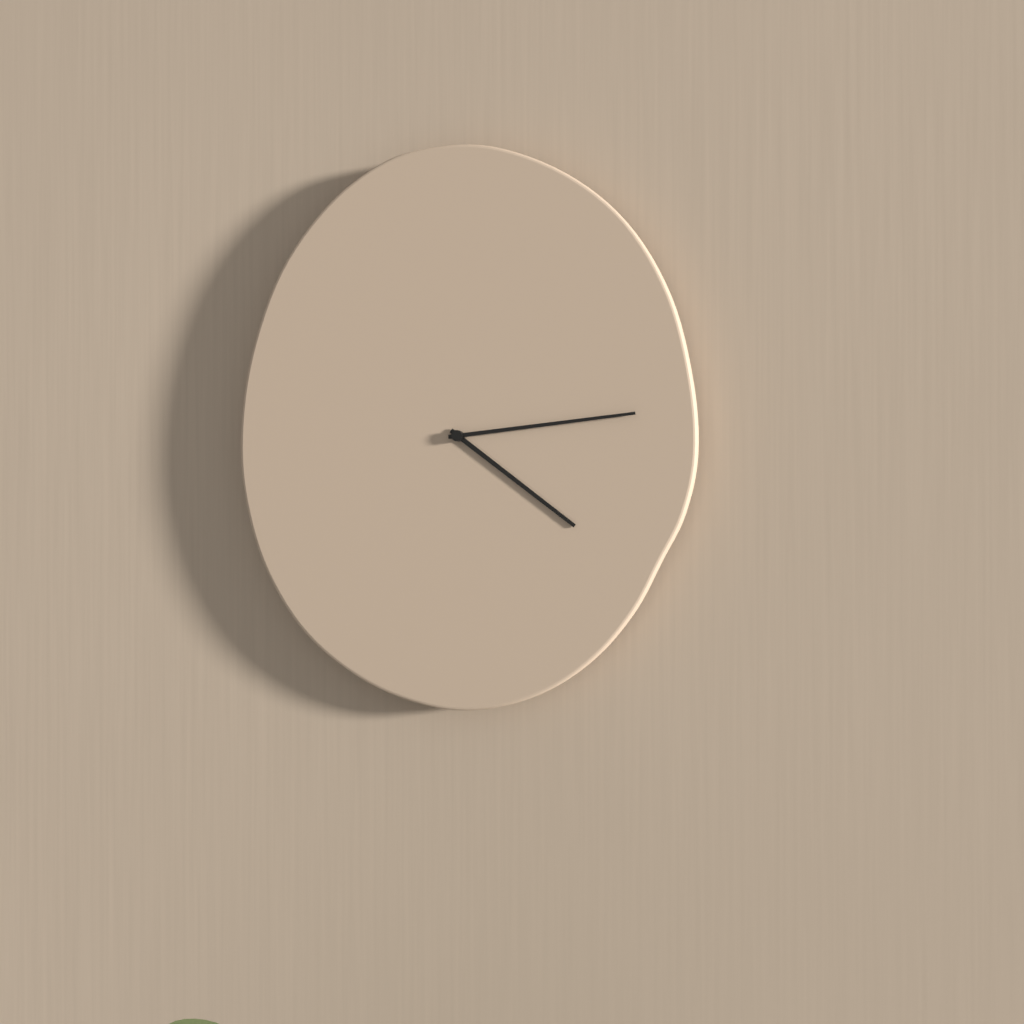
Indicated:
h=4 m=14
